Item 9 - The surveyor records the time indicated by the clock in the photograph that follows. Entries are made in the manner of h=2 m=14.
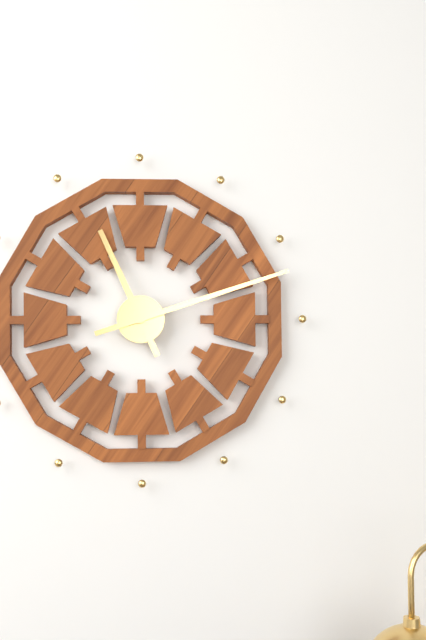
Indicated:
h=11 m=12
